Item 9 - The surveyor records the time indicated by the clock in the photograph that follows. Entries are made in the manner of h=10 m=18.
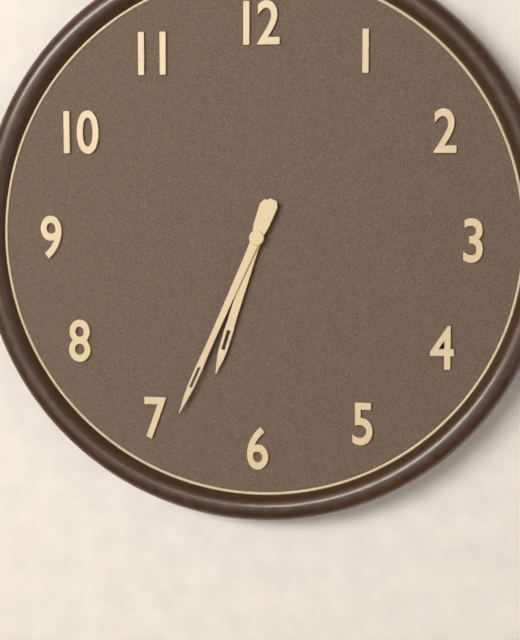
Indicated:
h=6 m=34
